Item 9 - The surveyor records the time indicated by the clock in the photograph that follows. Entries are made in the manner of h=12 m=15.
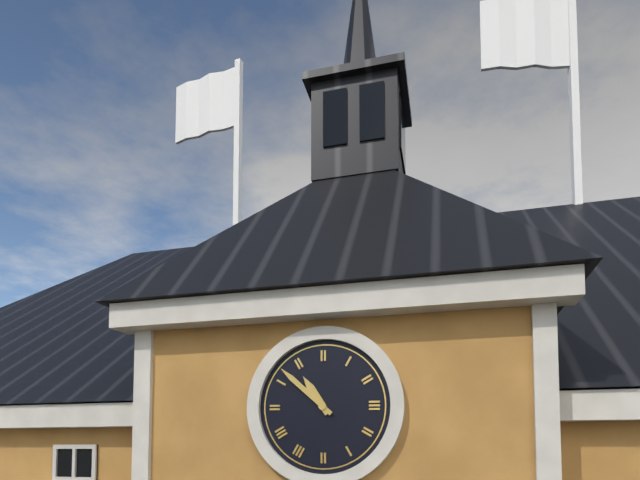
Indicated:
h=10 m=52
